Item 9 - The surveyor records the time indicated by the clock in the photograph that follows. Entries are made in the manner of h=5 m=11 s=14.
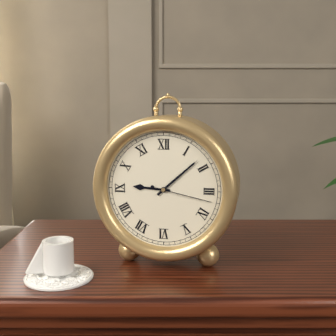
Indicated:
h=9 m=8 s=17
